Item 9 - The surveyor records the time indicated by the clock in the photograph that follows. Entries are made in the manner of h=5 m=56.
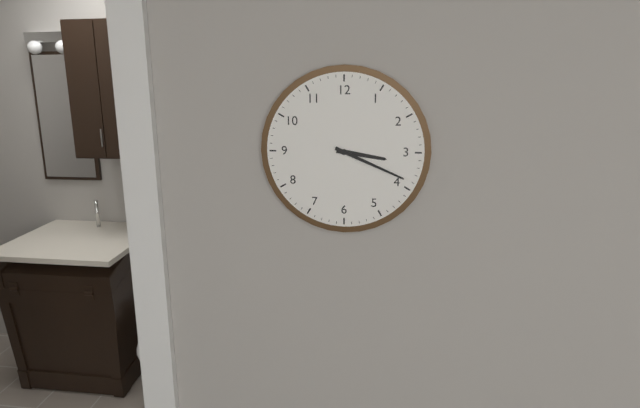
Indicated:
h=3 m=19
